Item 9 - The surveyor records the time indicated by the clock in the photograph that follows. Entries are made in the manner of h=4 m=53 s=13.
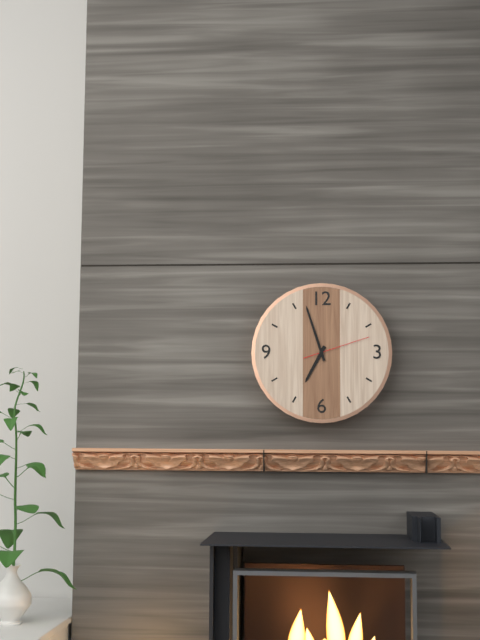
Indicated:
h=6 m=57 s=12
